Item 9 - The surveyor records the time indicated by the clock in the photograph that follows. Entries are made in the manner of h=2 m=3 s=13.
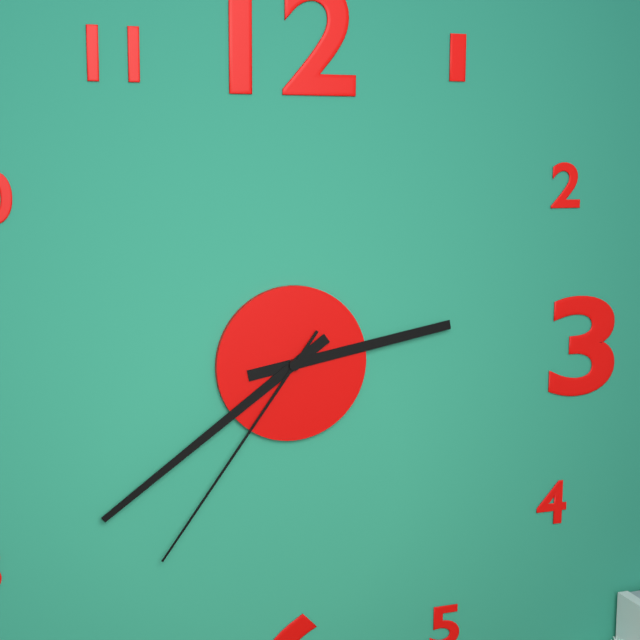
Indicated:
h=2 m=39 s=36
